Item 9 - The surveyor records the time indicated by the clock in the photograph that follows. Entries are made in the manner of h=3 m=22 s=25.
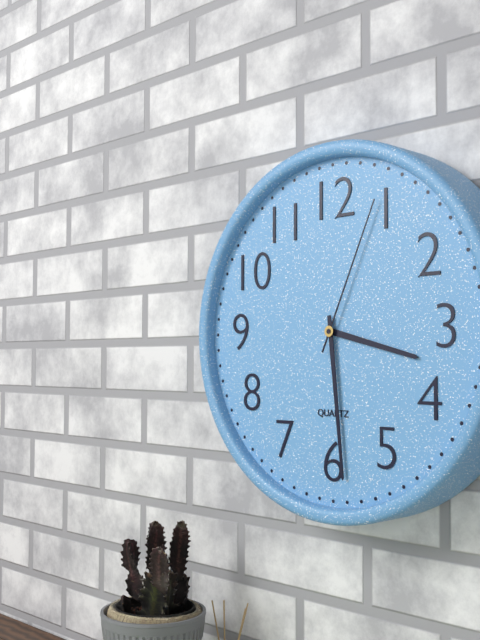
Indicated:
h=3 m=29 s=4
